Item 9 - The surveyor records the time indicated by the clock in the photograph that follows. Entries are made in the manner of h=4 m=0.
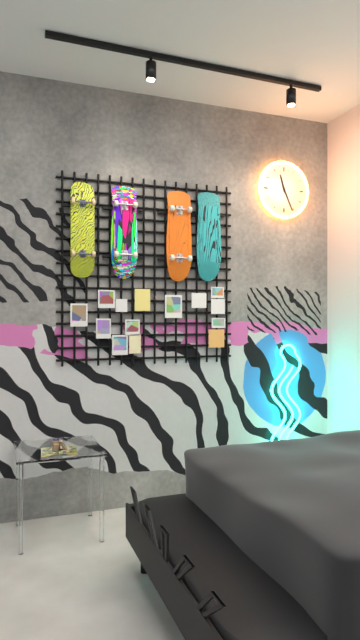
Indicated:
h=11 m=26
